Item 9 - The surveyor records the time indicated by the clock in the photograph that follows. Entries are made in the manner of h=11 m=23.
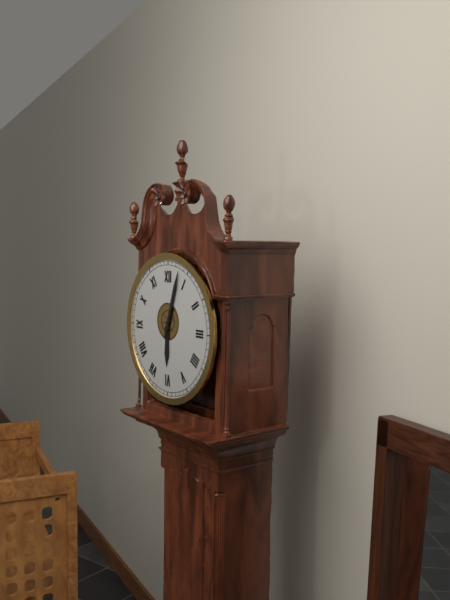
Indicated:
h=6 m=3
